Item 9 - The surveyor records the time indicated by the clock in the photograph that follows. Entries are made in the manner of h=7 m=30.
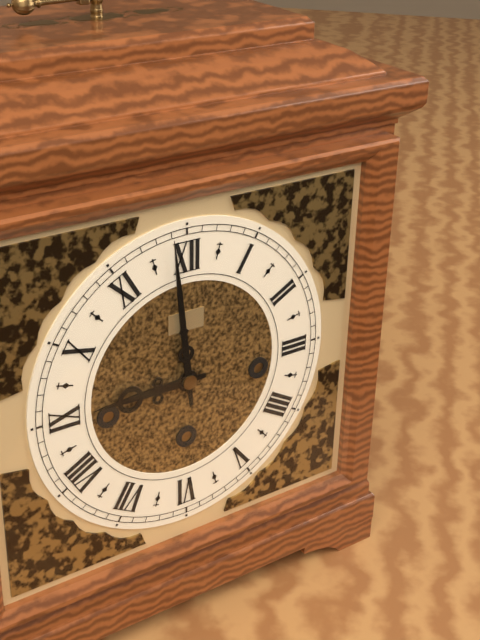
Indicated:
h=8 m=59
